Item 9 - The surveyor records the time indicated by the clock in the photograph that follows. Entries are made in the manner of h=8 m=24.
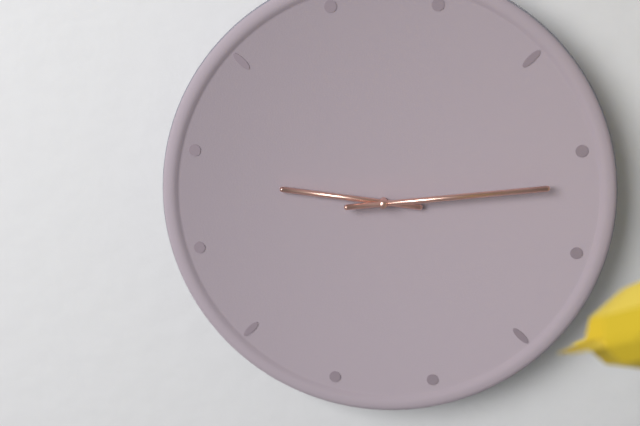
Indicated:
h=9 m=14
